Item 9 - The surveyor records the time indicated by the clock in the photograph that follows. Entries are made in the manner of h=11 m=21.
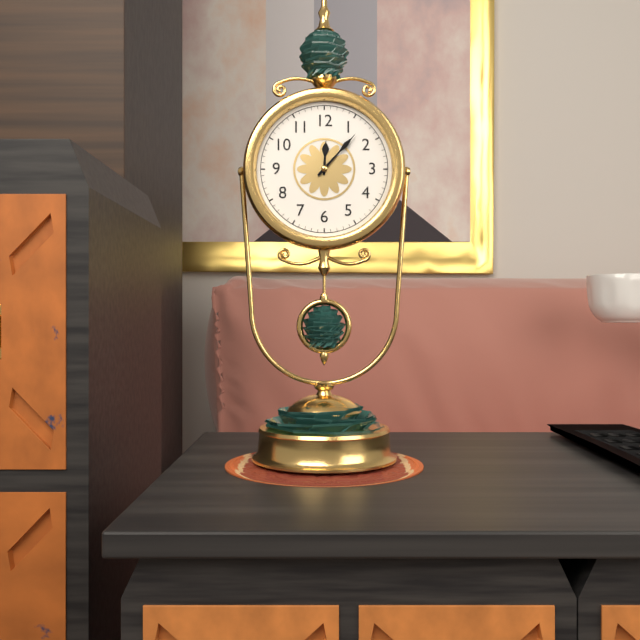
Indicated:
h=12 m=7
